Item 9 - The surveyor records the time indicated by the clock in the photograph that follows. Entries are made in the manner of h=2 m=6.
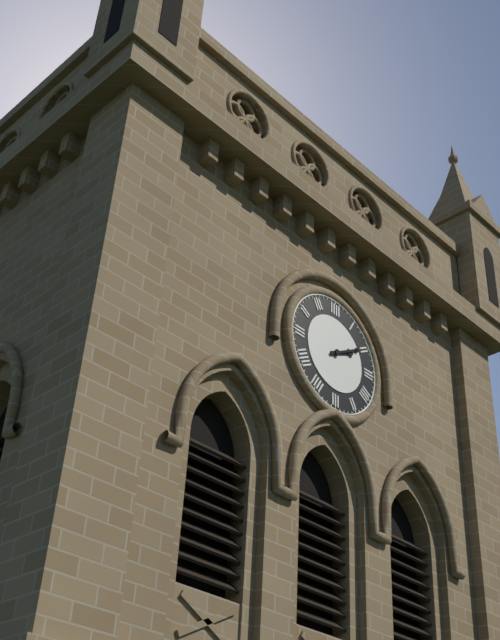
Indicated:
h=2 m=10
